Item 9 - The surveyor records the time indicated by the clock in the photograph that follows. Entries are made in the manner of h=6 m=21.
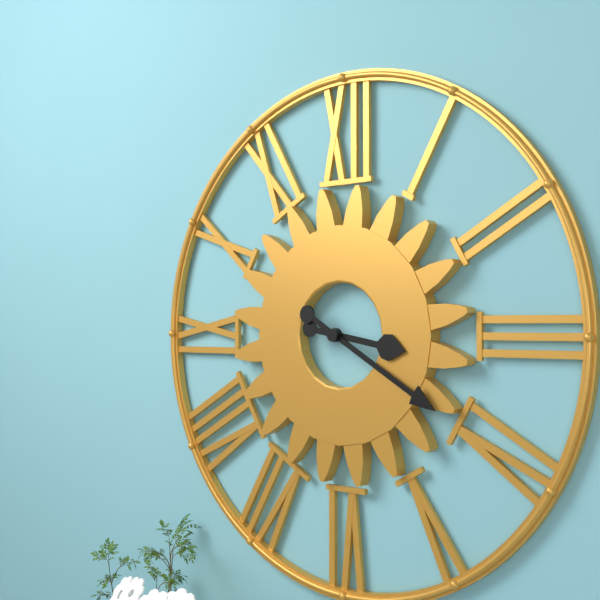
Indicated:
h=3 m=20
